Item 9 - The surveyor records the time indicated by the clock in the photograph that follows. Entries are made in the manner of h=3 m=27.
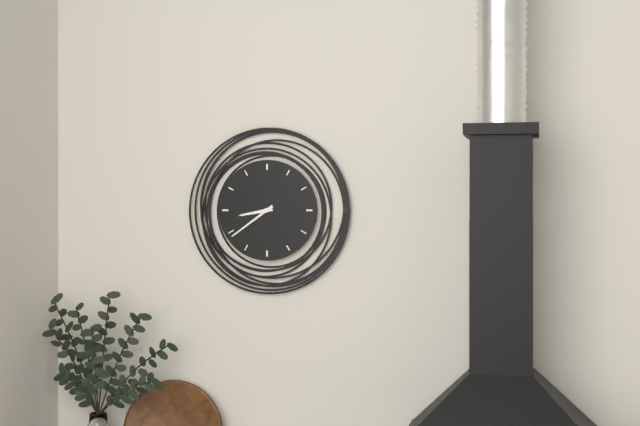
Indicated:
h=8 m=39
